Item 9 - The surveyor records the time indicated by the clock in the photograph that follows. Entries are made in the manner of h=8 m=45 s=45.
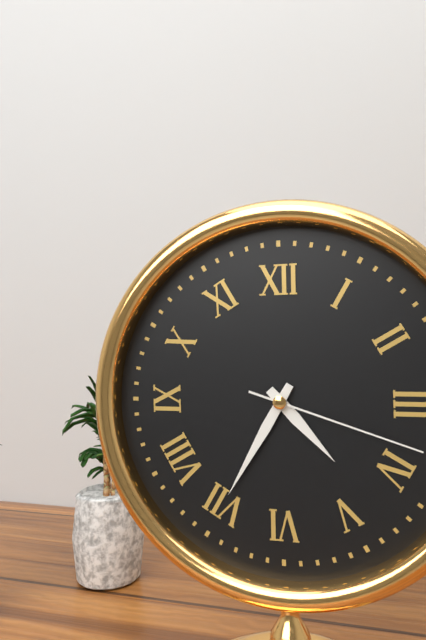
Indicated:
h=4 m=35 s=18
